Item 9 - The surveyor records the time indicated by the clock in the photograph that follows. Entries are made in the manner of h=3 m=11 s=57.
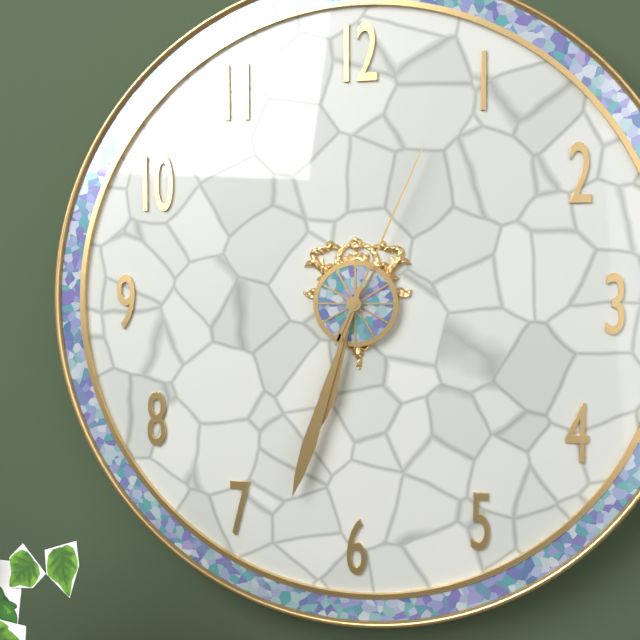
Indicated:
h=6 m=33 s=4
